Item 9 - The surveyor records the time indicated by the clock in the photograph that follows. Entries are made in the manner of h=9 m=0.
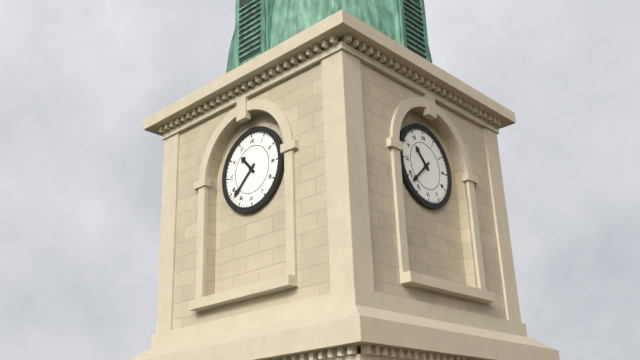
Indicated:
h=10 m=38
